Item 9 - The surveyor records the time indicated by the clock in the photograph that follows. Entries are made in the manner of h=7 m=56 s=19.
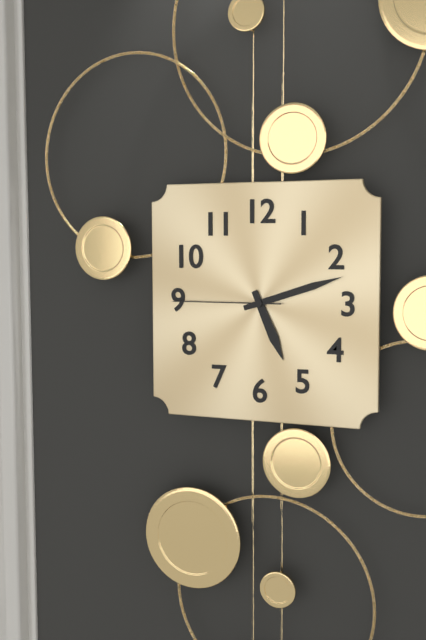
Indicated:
h=5 m=12 s=45
